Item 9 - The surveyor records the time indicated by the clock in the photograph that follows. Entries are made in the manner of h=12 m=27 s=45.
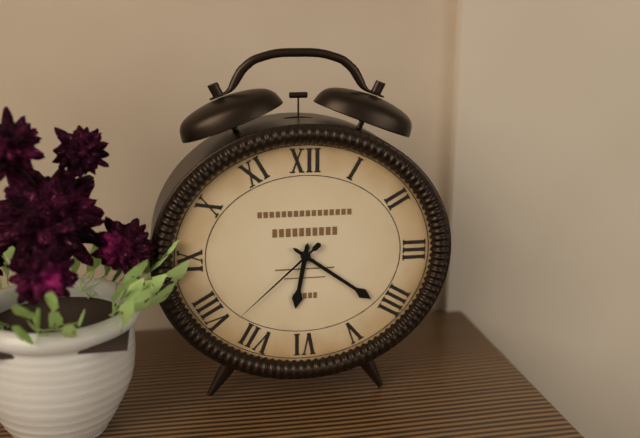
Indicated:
h=6 m=21 s=38
